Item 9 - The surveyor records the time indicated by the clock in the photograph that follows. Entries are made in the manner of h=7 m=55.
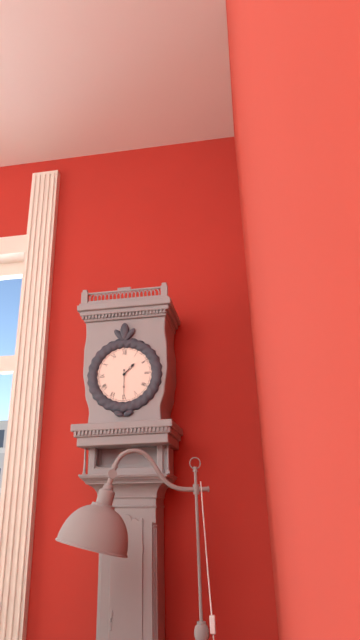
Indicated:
h=1 m=30
